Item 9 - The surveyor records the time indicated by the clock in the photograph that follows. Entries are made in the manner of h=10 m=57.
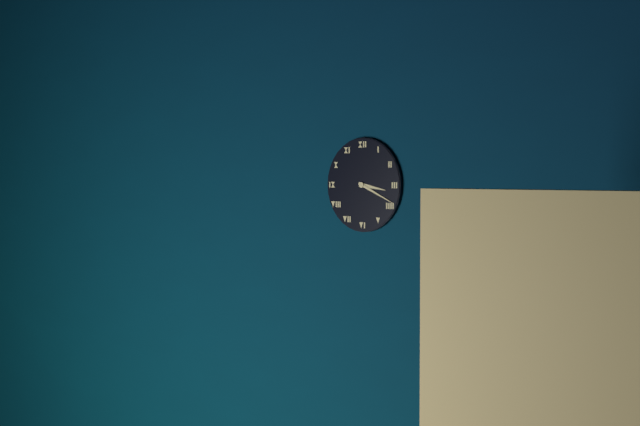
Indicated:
h=3 m=19
